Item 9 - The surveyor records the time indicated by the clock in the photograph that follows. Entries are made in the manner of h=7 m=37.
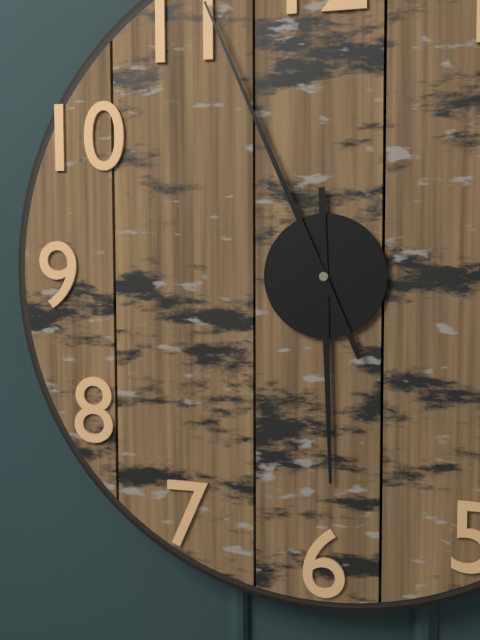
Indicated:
h=5 m=56
